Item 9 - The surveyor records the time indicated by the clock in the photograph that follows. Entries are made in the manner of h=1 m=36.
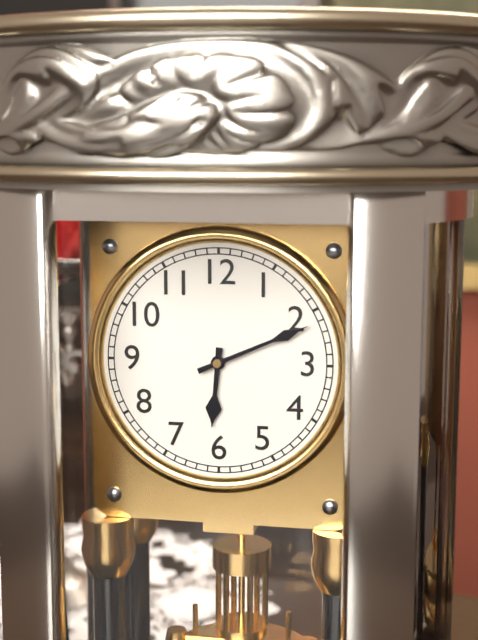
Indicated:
h=6 m=11
